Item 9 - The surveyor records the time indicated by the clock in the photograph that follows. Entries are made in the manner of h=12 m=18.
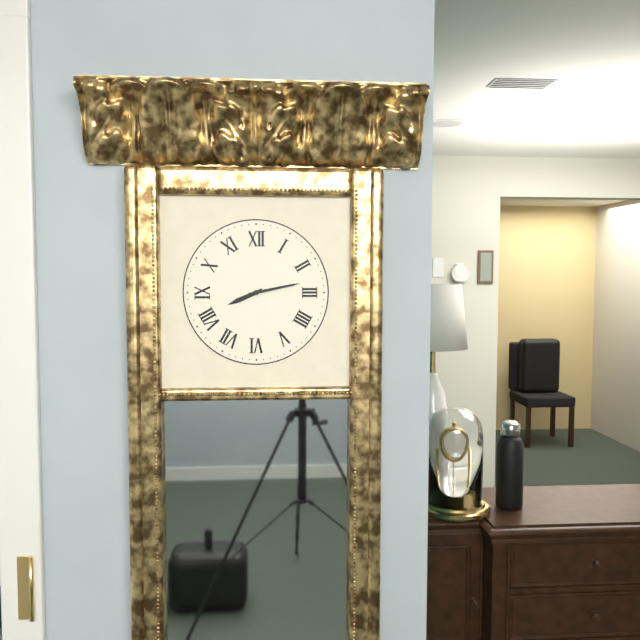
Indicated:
h=8 m=13
